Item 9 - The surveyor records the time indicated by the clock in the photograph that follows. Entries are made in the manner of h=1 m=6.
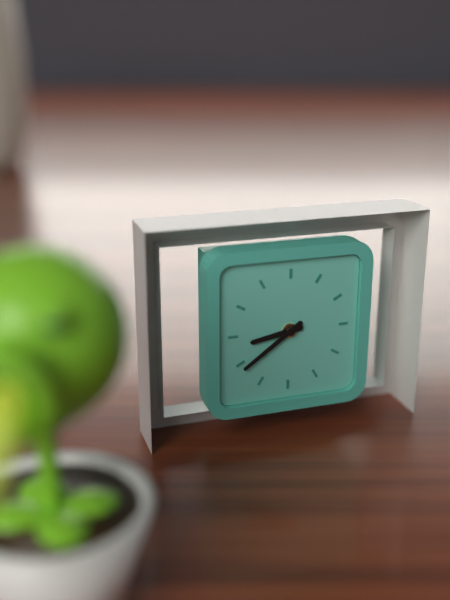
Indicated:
h=8 m=39
